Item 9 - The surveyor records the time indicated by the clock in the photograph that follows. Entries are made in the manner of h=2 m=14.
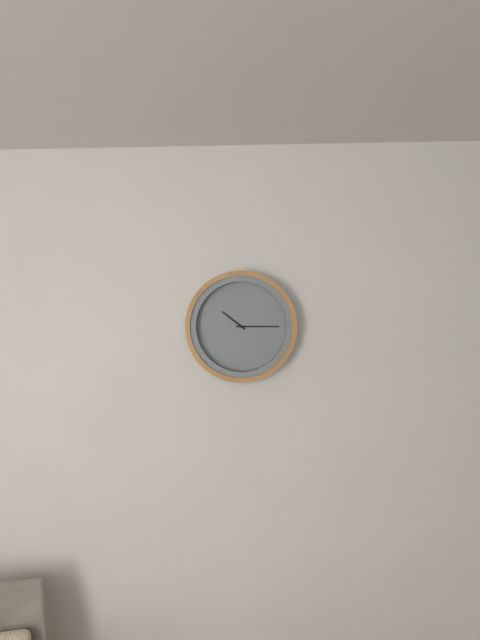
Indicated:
h=10 m=15
